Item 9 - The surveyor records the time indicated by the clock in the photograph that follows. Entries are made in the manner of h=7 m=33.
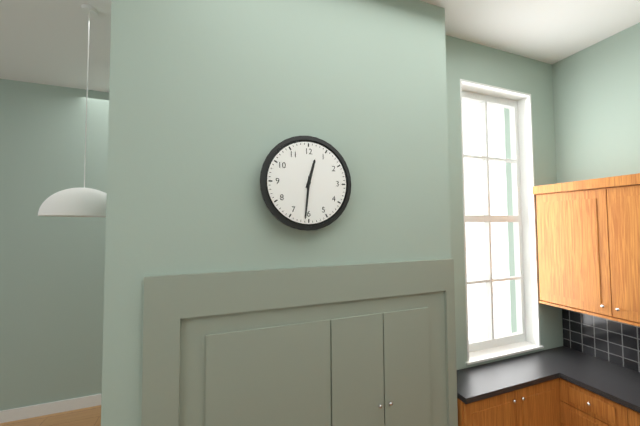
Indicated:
h=12 m=31
